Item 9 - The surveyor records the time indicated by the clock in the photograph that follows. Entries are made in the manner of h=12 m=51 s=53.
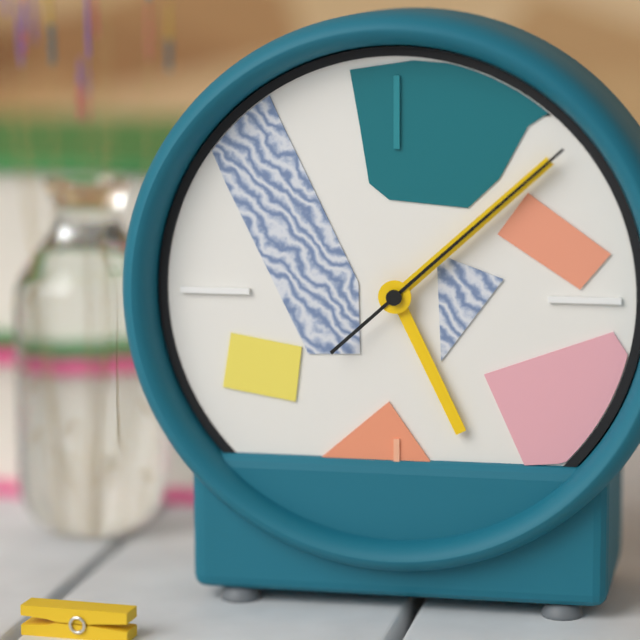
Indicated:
h=5 m=8 s=8
